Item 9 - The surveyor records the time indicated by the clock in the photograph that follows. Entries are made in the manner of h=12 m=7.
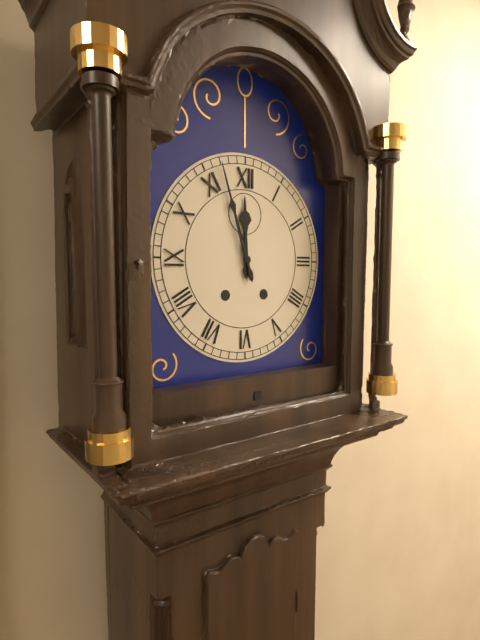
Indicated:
h=11 m=57
